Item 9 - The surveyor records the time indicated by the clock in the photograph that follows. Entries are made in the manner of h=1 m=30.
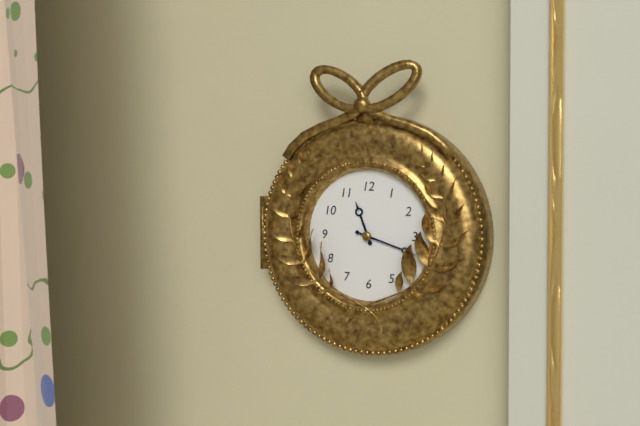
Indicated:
h=11 m=18
